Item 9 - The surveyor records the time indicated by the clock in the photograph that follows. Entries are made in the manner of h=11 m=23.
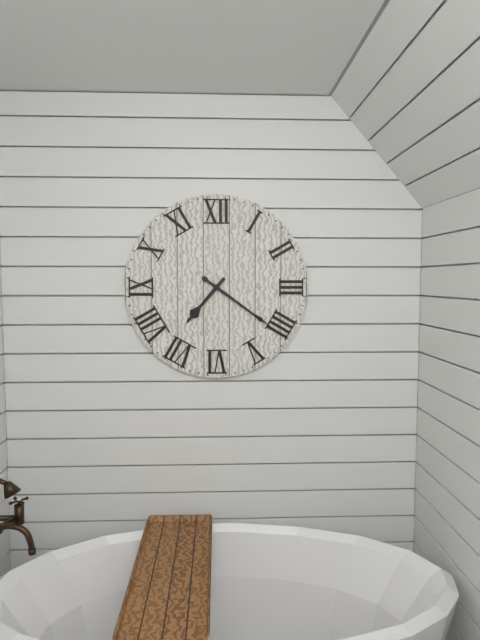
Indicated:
h=7 m=21
